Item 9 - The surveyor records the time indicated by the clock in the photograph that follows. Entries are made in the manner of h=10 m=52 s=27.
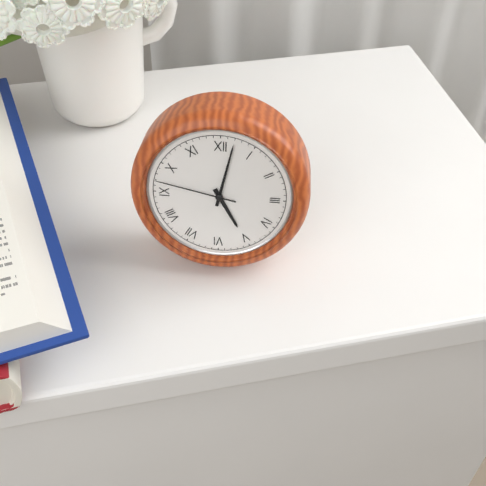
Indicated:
h=5 m=2 s=47
